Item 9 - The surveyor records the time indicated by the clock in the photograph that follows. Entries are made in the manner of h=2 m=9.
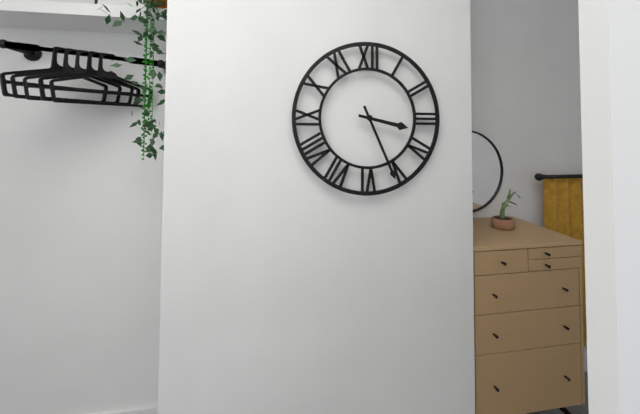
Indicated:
h=3 m=26
